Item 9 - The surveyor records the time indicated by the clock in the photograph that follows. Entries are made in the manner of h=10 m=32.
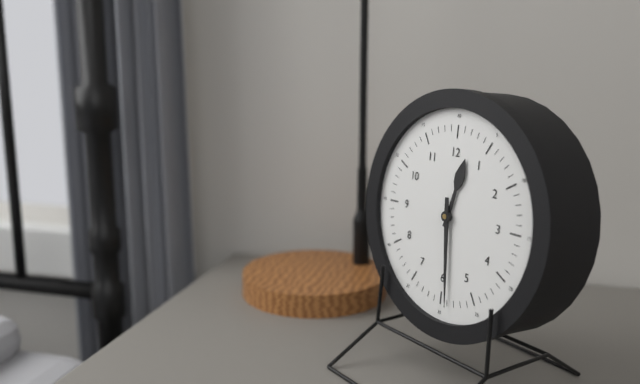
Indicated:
h=12 m=29
